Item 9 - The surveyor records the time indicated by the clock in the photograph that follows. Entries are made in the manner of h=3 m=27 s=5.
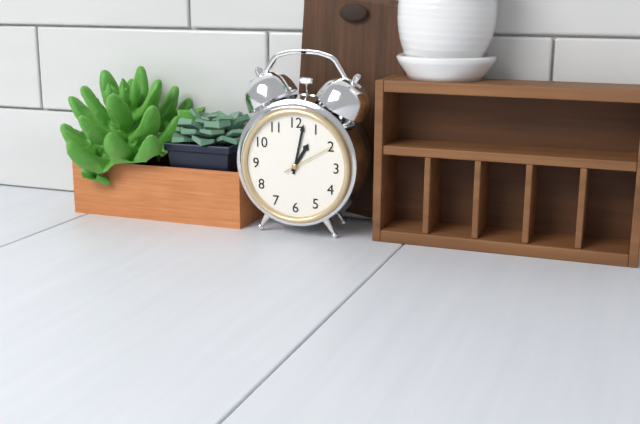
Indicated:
h=1 m=2 s=10
